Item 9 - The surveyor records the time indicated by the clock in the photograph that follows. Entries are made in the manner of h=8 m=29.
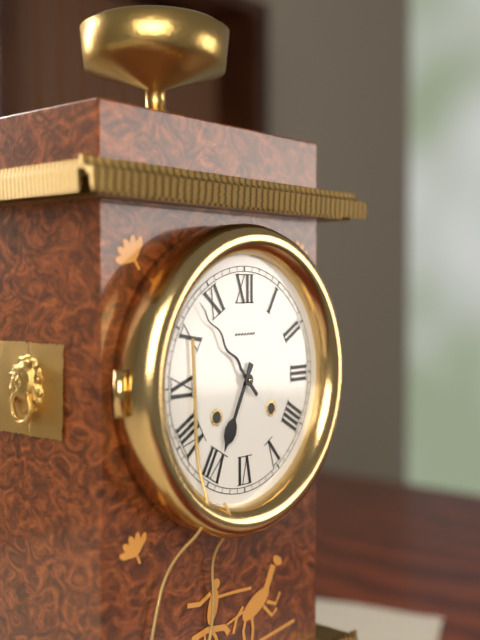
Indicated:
h=6 m=53
